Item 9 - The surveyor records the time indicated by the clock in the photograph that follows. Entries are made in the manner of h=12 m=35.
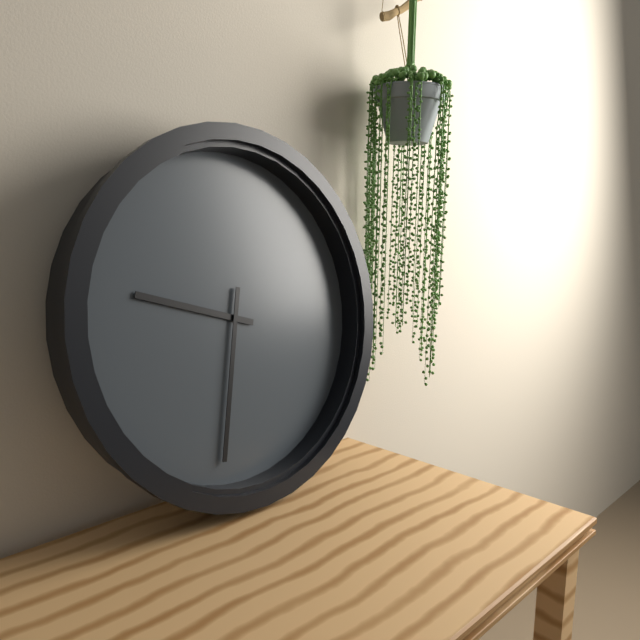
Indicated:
h=9 m=32
